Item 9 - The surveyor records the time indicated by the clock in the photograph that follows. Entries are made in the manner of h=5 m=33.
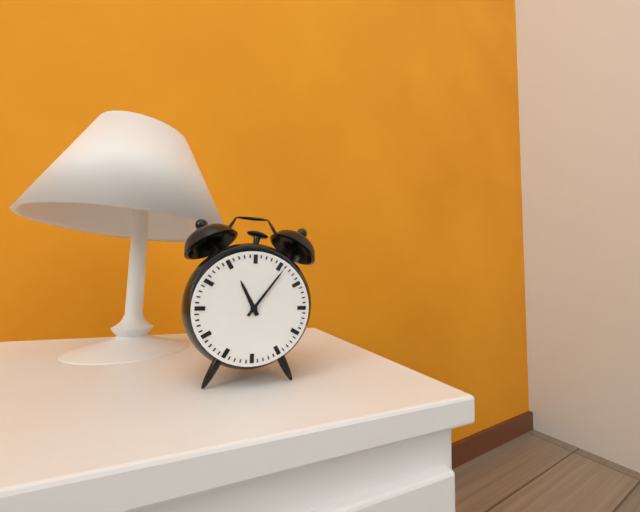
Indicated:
h=11 m=6
